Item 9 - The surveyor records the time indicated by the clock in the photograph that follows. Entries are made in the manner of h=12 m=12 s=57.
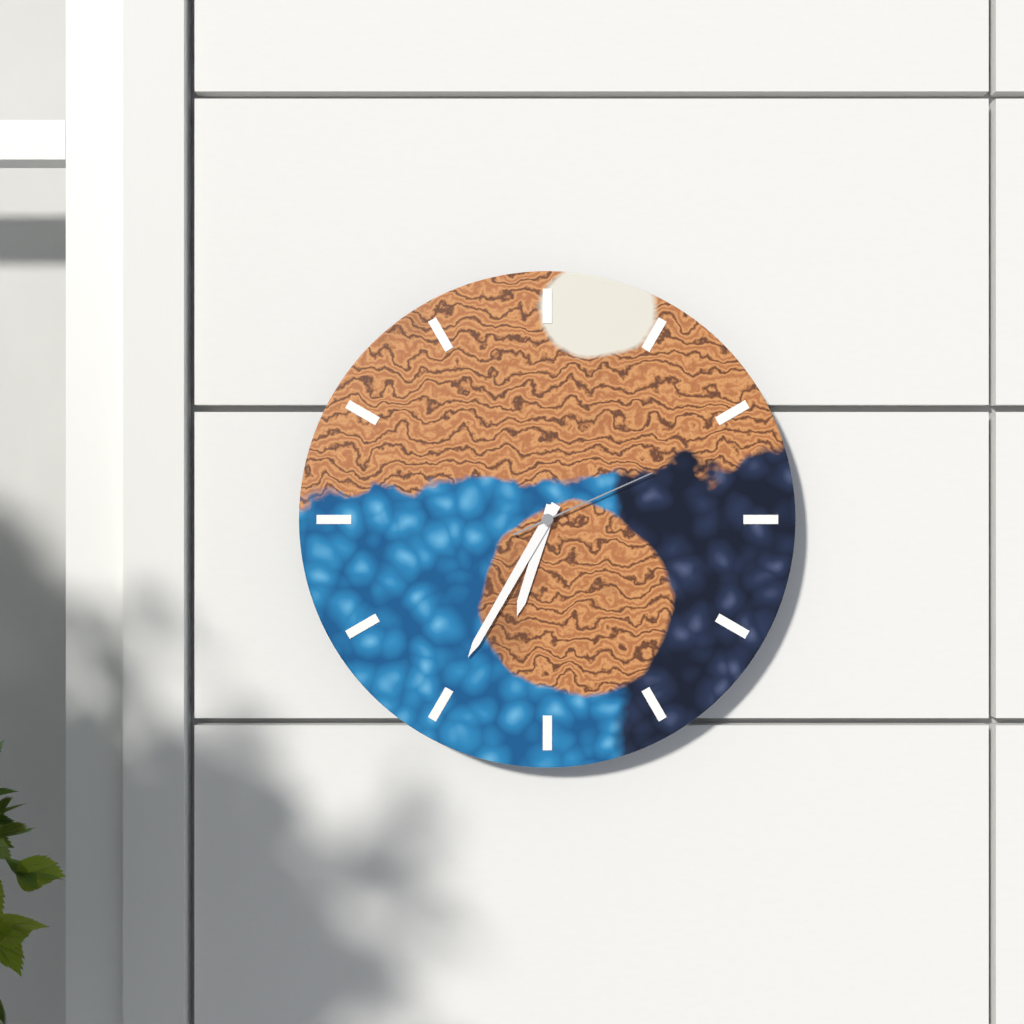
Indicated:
h=6 m=35 s=11
